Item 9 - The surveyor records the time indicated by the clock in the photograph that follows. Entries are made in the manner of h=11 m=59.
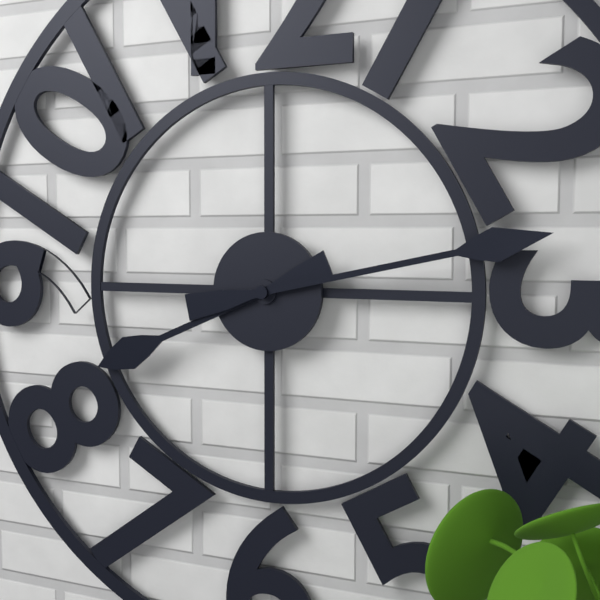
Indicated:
h=8 m=13
